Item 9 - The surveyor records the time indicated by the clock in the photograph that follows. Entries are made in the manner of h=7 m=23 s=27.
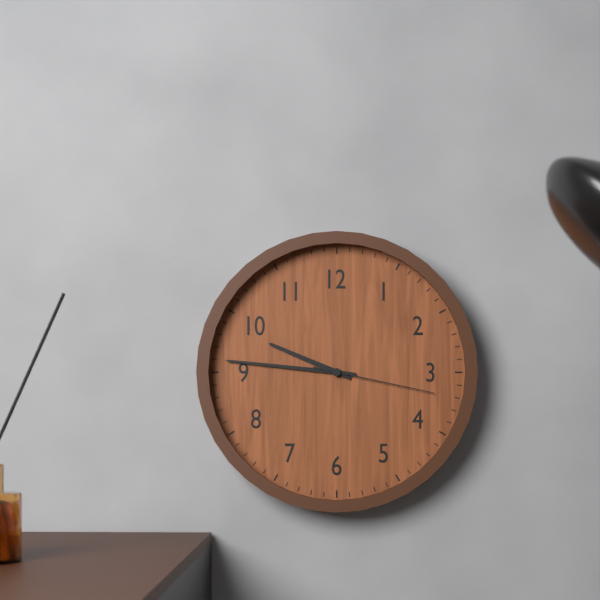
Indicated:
h=9 m=46 s=17
